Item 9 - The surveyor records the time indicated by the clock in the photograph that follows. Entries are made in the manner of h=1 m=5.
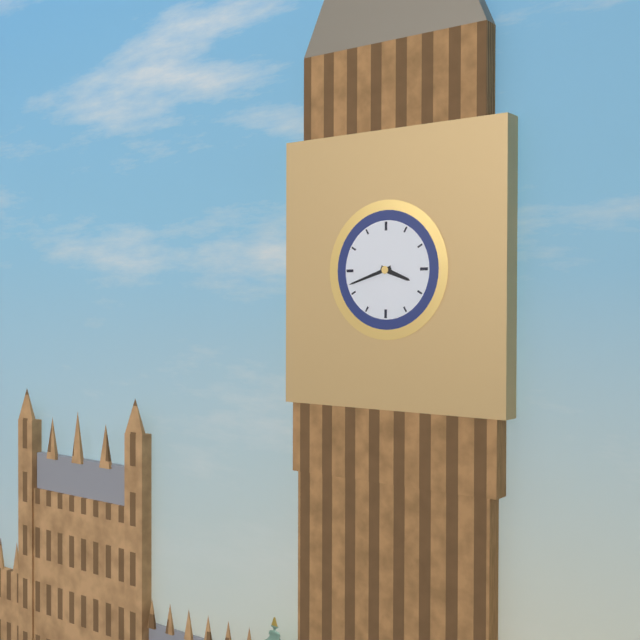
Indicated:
h=3 m=42
